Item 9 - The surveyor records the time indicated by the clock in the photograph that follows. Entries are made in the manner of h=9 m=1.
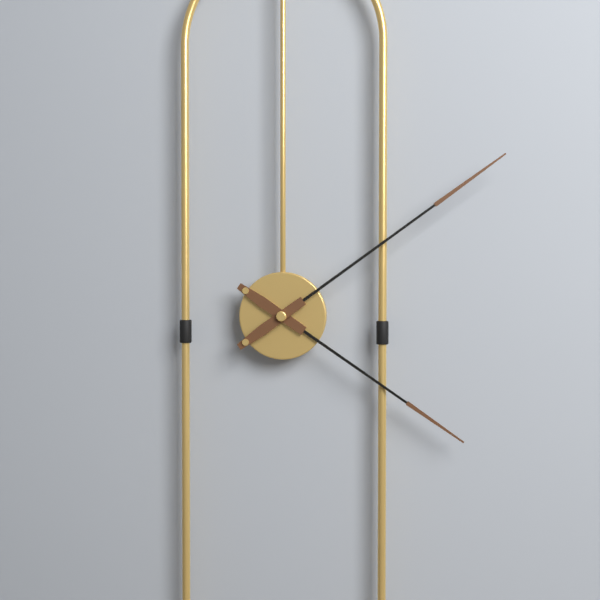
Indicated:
h=4 m=9
